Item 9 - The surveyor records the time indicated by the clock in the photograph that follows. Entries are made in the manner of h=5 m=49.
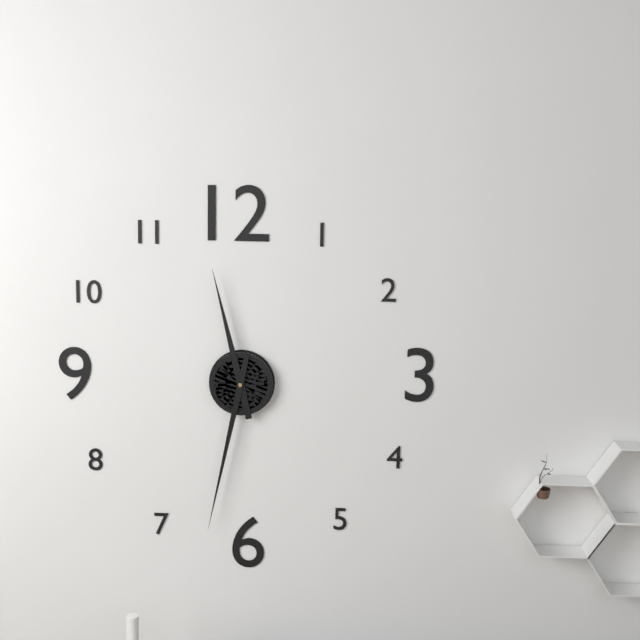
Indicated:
h=11 m=32
